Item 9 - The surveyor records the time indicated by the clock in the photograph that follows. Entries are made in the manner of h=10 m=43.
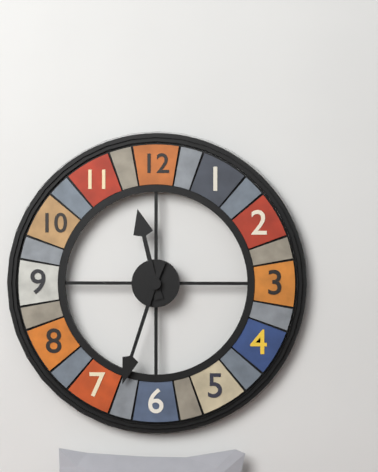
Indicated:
h=11 m=33
